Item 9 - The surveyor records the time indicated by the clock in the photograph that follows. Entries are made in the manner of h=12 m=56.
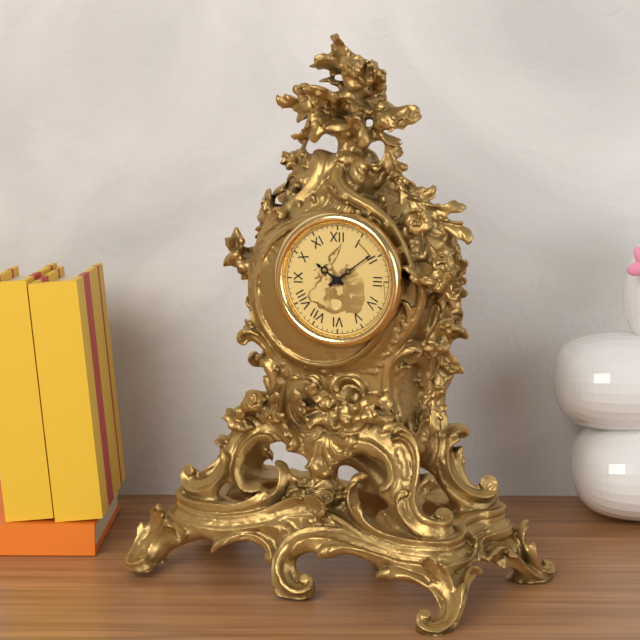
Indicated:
h=10 m=9
